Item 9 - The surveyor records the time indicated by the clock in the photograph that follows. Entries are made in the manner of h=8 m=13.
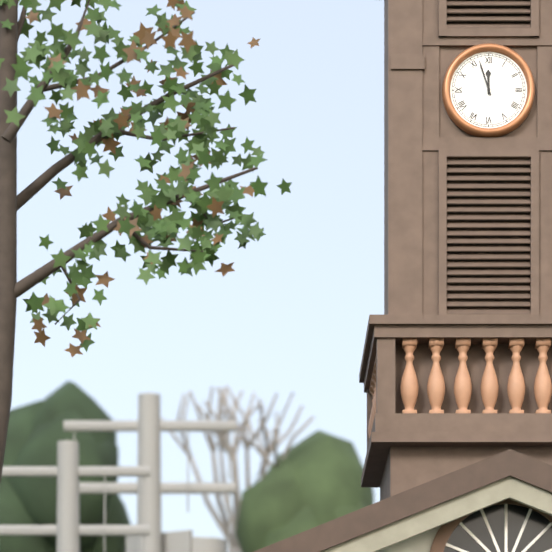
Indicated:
h=11 m=57
